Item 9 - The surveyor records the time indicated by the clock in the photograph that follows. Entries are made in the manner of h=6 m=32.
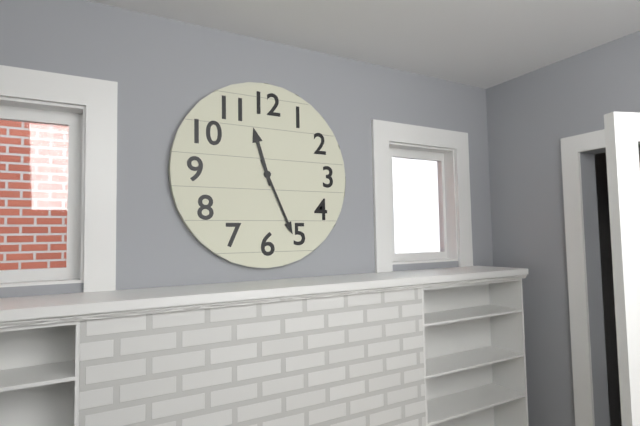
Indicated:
h=11 m=26
